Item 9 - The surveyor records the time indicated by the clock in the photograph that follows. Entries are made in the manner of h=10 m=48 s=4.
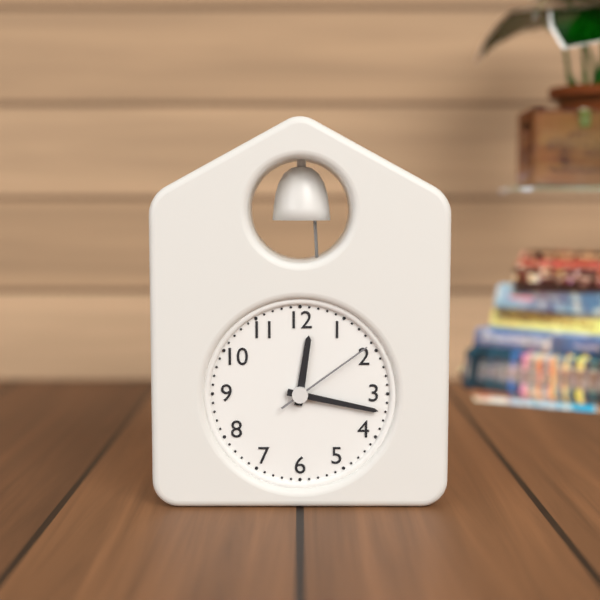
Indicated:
h=12 m=17 s=9
